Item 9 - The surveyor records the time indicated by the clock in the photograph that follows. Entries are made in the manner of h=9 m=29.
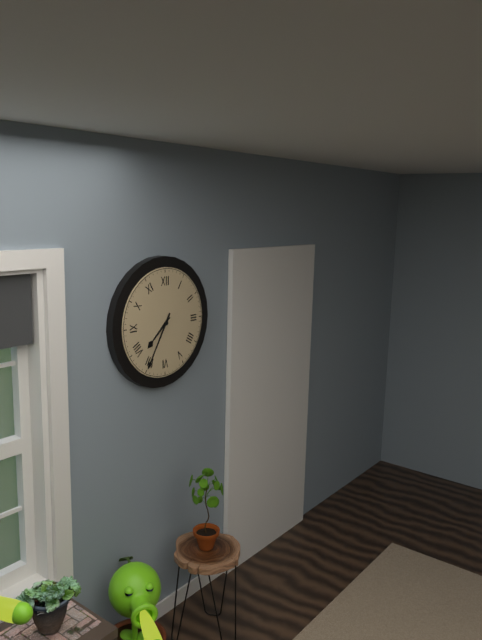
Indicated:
h=7 m=35
